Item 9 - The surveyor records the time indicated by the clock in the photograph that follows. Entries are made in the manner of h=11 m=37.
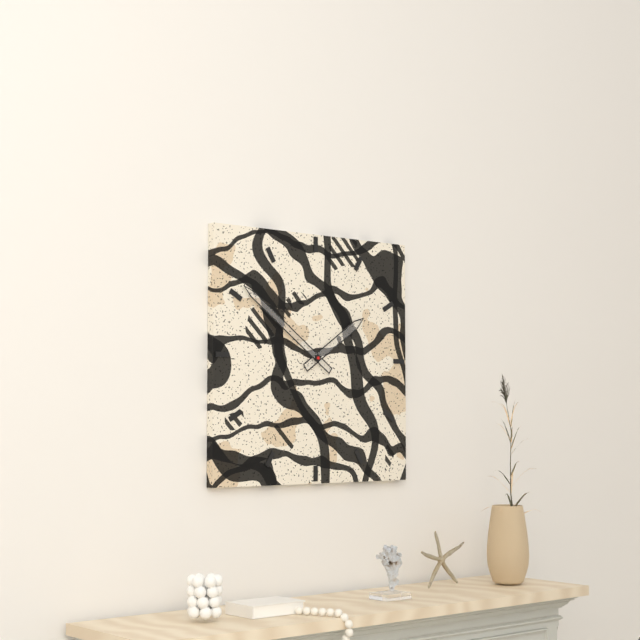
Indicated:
h=1 m=51
